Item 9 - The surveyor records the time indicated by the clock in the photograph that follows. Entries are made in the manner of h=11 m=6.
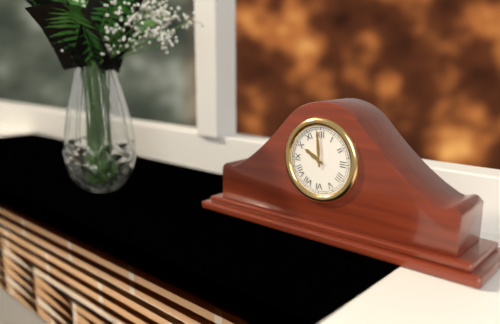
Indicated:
h=9 m=59
